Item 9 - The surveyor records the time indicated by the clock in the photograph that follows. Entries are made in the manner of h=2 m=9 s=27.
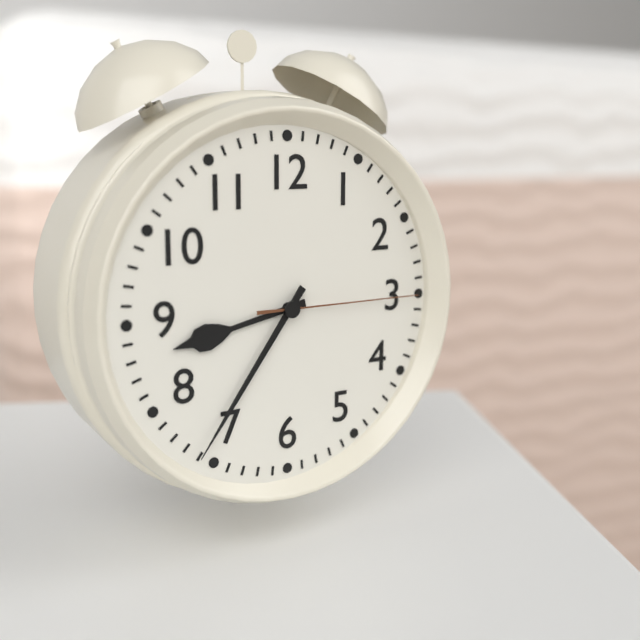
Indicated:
h=8 m=36 s=15
